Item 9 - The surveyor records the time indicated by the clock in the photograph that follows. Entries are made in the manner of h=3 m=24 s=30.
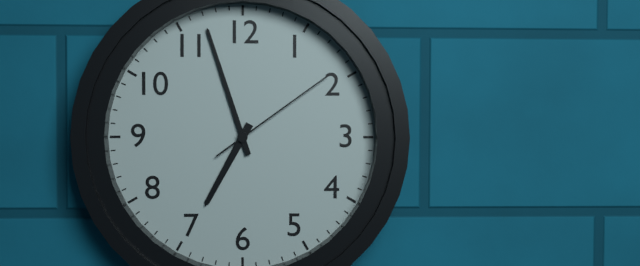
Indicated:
h=6 m=57 s=9
